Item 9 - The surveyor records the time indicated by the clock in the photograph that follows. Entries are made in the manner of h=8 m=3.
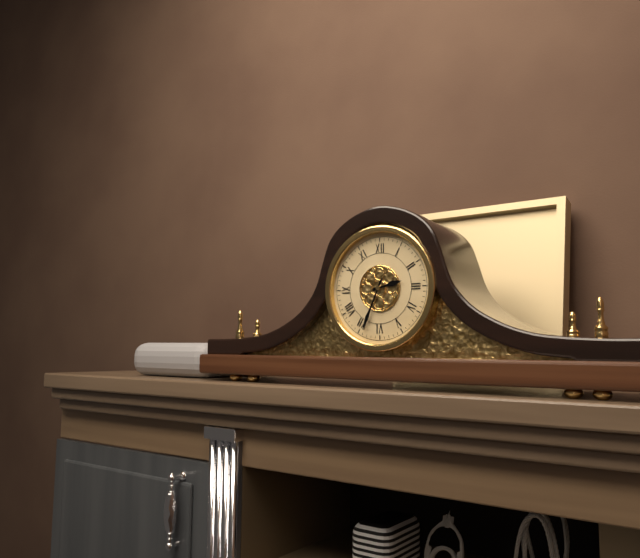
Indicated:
h=2 m=34
